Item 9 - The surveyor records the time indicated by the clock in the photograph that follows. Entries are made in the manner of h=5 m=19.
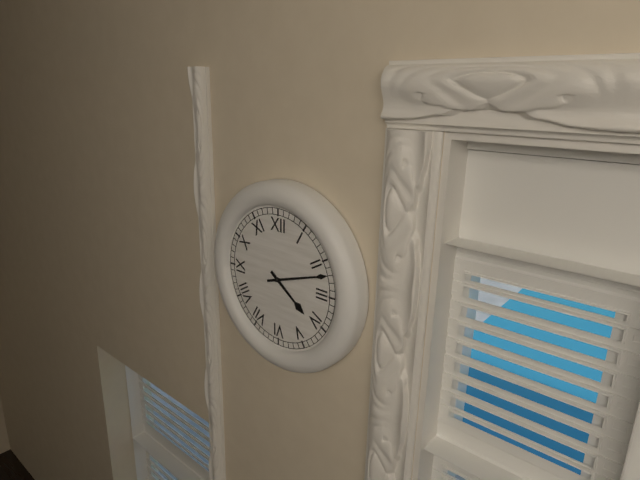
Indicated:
h=4 m=12
